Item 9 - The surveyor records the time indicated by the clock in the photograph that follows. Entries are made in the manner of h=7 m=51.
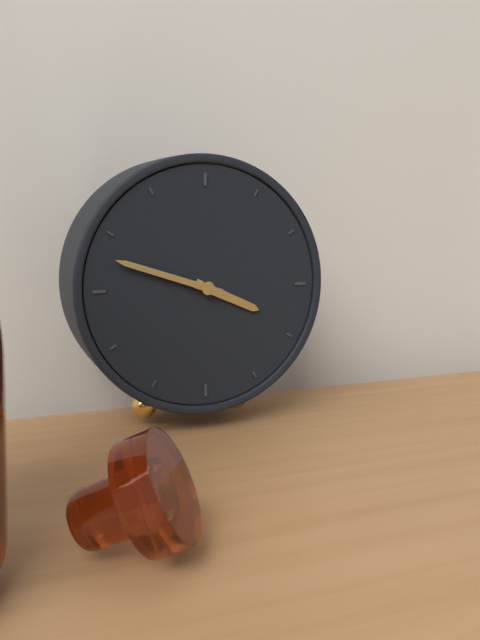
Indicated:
h=3 m=48
